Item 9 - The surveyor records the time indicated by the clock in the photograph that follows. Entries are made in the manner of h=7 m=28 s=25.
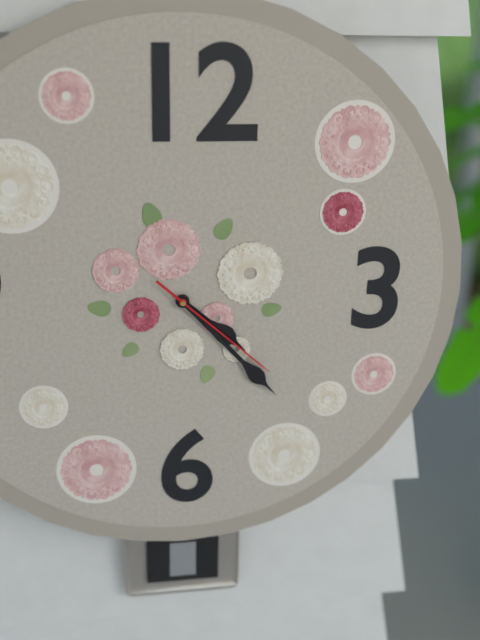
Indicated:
h=4 m=23 s=22
